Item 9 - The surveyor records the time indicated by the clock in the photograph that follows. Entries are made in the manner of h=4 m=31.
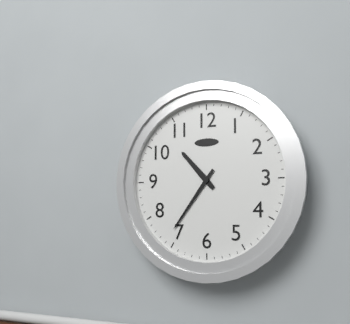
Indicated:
h=10 m=36
